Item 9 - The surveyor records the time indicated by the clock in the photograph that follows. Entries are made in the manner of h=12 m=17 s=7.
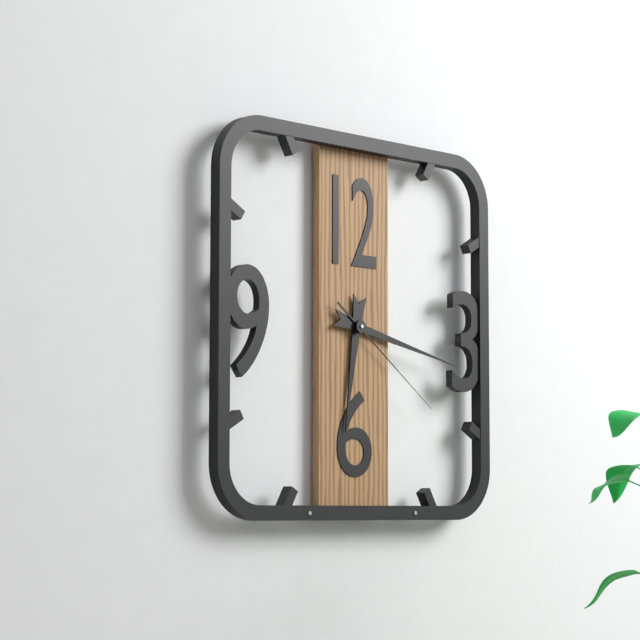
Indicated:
h=6 m=17 s=21
